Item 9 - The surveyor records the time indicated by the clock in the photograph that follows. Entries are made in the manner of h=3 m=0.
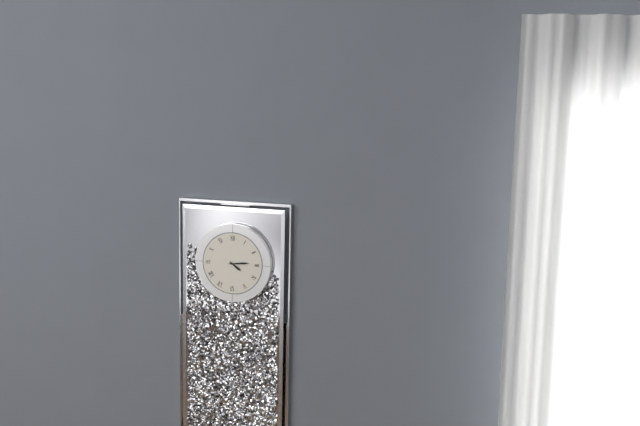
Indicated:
h=4 m=14
